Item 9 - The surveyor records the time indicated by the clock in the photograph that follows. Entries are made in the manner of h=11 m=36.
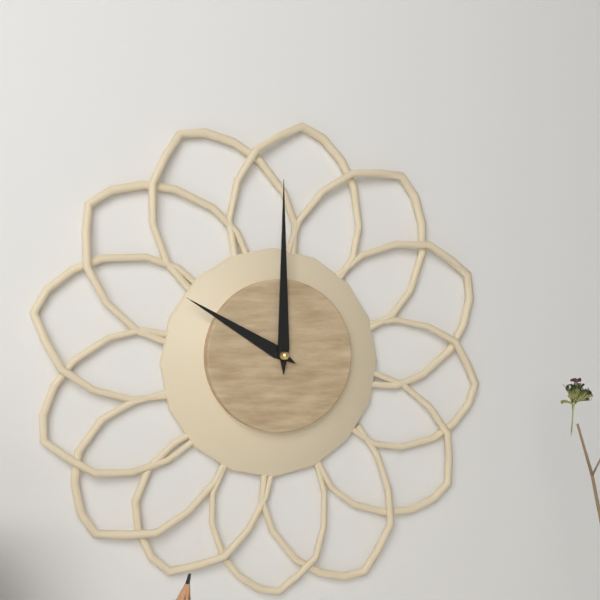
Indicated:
h=10 m=0
